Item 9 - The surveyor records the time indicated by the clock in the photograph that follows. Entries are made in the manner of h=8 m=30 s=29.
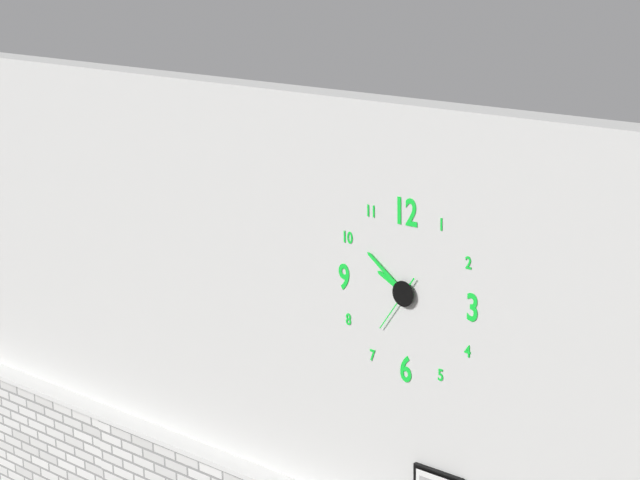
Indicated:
h=9 m=51 s=36
